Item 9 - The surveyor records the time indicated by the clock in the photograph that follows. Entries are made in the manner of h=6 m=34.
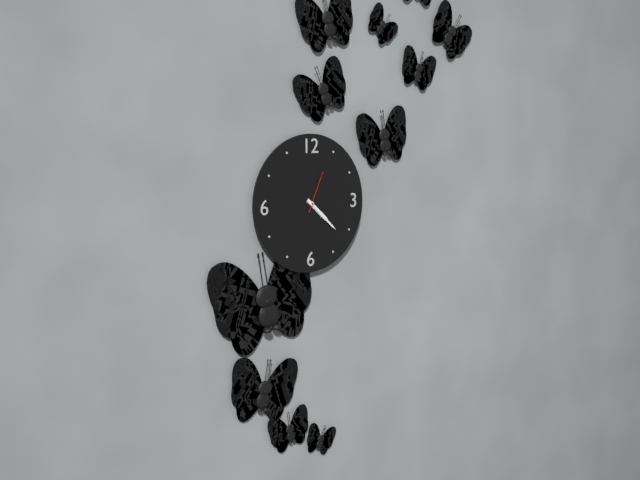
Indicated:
h=4 m=22
